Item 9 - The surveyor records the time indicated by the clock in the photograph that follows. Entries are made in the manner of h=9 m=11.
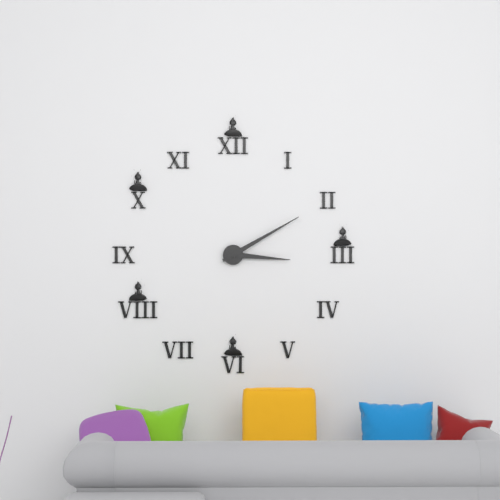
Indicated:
h=3 m=10
